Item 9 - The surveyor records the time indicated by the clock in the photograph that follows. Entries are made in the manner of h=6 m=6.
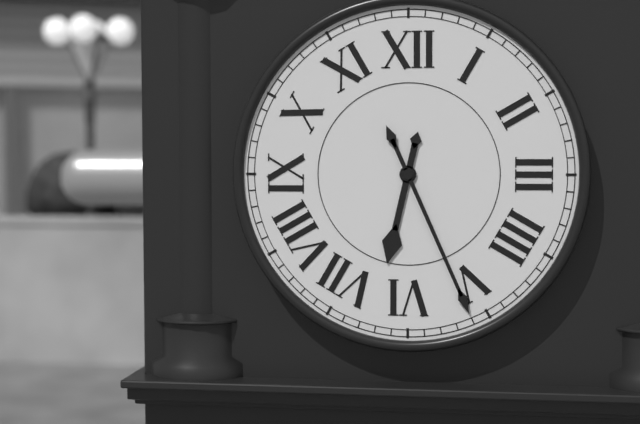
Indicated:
h=6 m=26
